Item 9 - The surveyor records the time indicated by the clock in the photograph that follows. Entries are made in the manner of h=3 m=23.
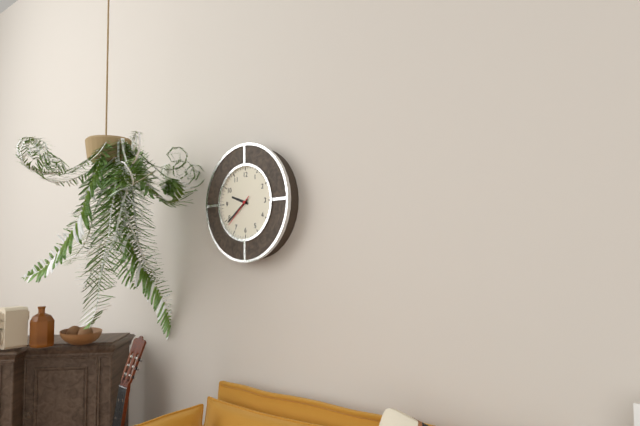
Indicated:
h=9 m=39
